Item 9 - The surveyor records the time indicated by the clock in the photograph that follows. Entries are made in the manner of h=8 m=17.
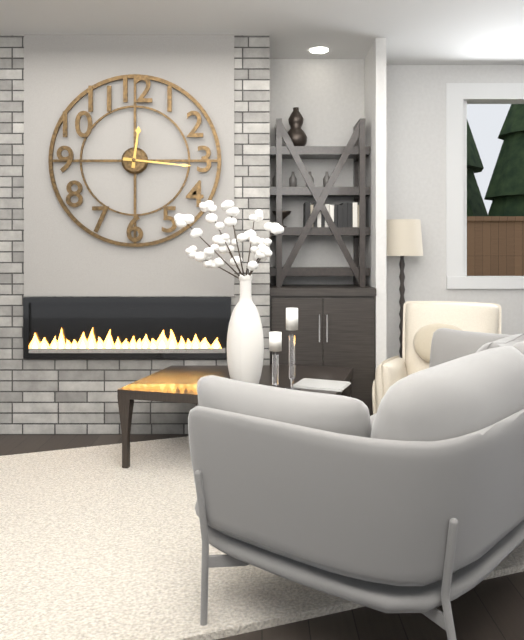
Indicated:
h=12 m=16
